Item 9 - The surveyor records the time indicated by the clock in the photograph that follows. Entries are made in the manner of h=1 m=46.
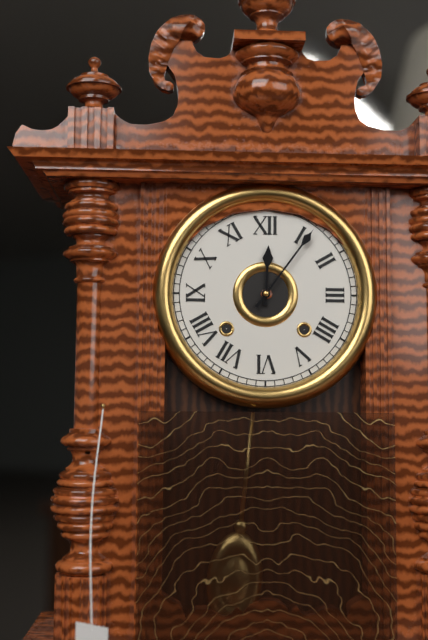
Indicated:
h=12 m=6
